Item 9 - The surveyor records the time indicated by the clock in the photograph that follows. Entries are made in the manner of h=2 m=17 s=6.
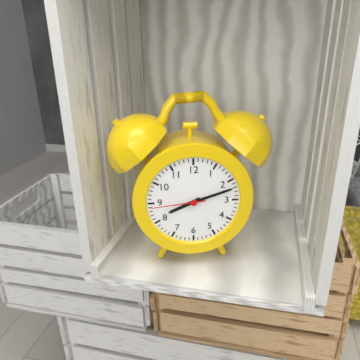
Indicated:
h=8 m=12 s=44
